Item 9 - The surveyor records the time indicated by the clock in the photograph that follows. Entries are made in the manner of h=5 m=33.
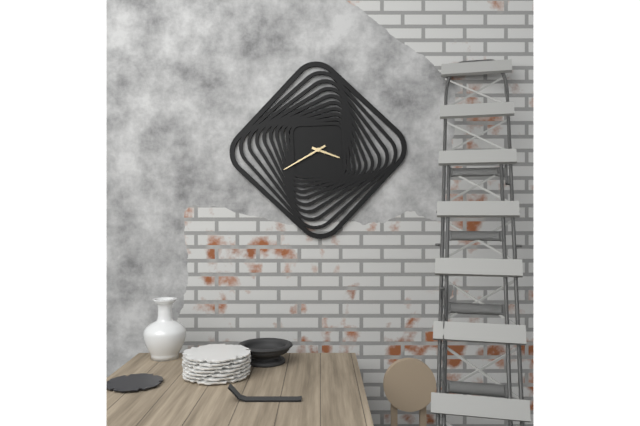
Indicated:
h=3 m=40
